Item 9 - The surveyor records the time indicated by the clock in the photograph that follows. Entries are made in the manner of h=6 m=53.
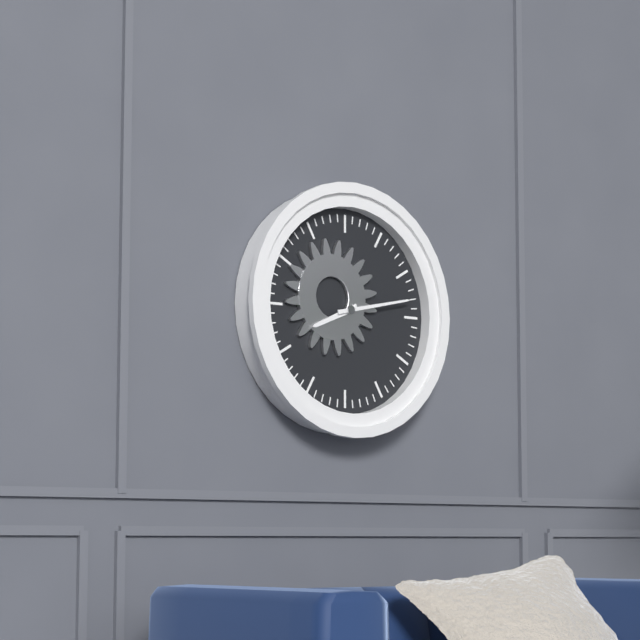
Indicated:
h=8 m=13
